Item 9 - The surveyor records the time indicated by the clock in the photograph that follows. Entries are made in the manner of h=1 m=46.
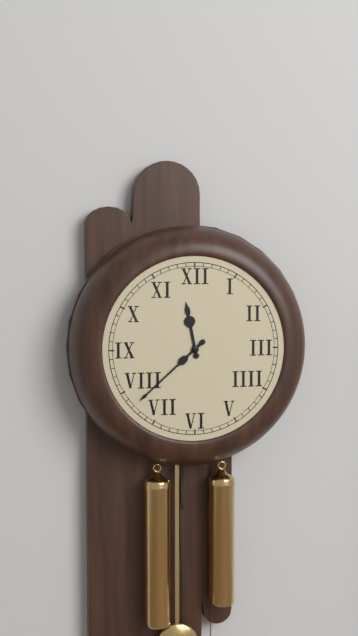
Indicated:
h=11 m=38
